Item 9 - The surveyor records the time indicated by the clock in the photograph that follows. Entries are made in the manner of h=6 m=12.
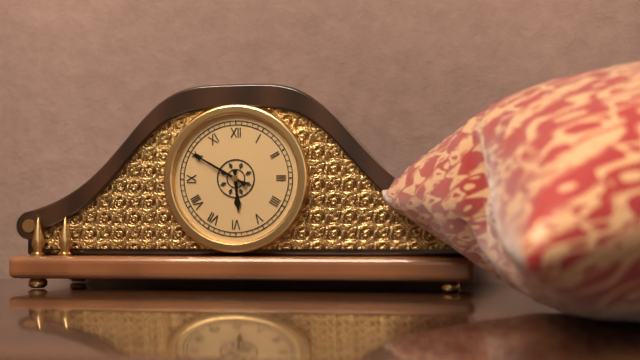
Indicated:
h=5 m=50
